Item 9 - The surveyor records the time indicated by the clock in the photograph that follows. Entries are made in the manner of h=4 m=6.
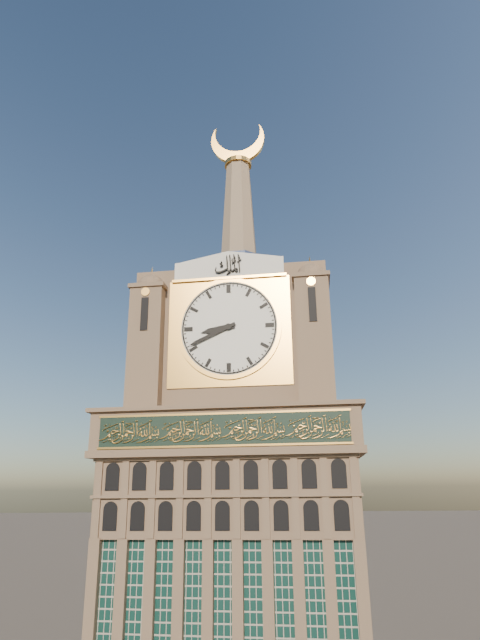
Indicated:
h=8 m=41
